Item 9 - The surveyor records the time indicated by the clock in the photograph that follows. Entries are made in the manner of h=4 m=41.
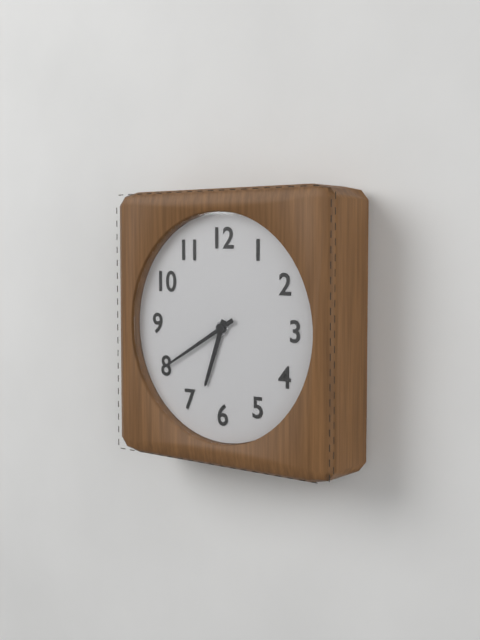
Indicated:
h=6 m=40
